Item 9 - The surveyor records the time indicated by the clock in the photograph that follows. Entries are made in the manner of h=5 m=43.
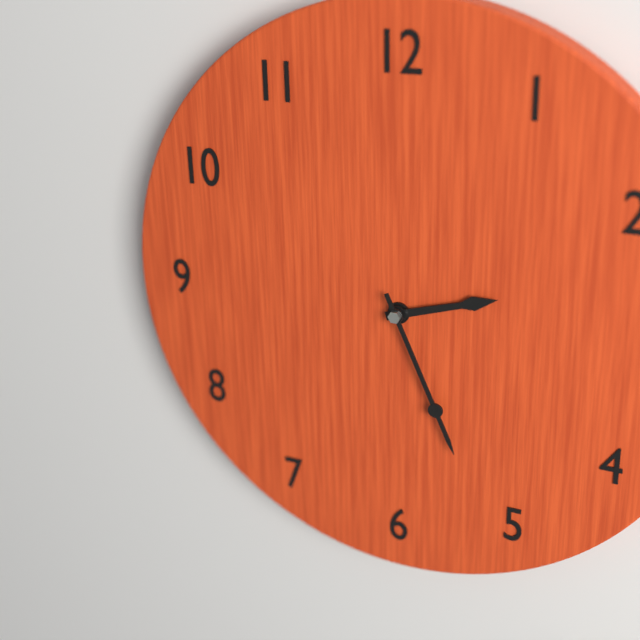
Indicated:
h=2 m=26
